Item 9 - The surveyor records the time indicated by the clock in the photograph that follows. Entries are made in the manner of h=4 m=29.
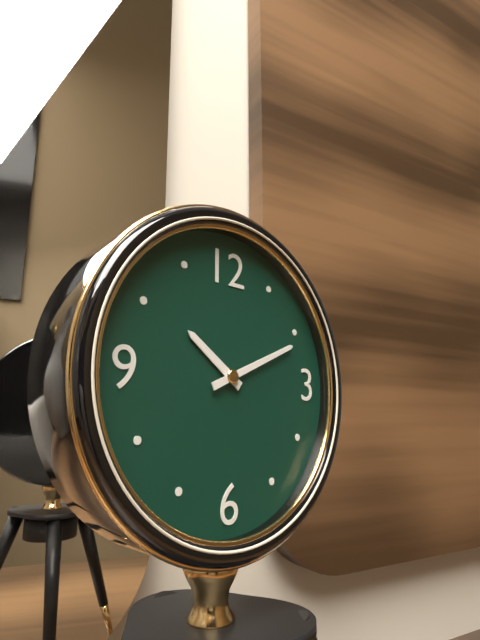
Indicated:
h=10 m=11
